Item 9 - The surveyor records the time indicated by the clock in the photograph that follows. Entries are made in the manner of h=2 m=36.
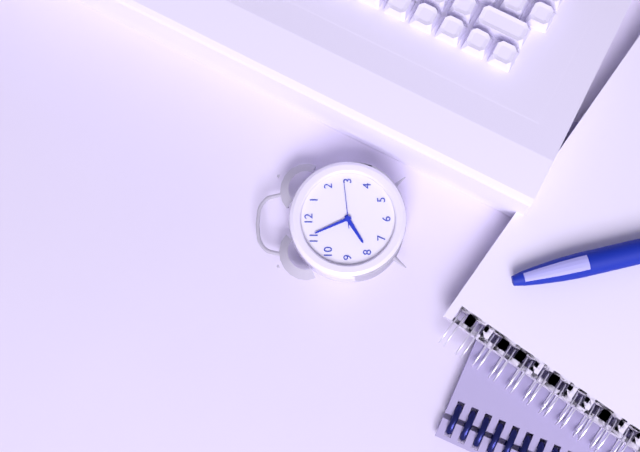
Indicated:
h=7 m=56
